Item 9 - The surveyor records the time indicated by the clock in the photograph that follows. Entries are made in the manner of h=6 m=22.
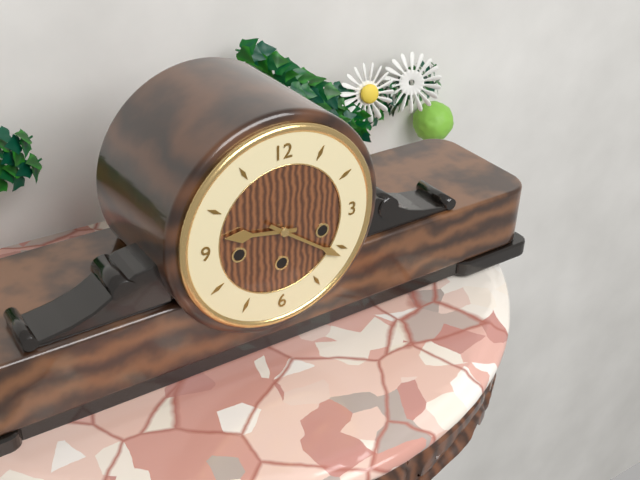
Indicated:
h=9 m=21
